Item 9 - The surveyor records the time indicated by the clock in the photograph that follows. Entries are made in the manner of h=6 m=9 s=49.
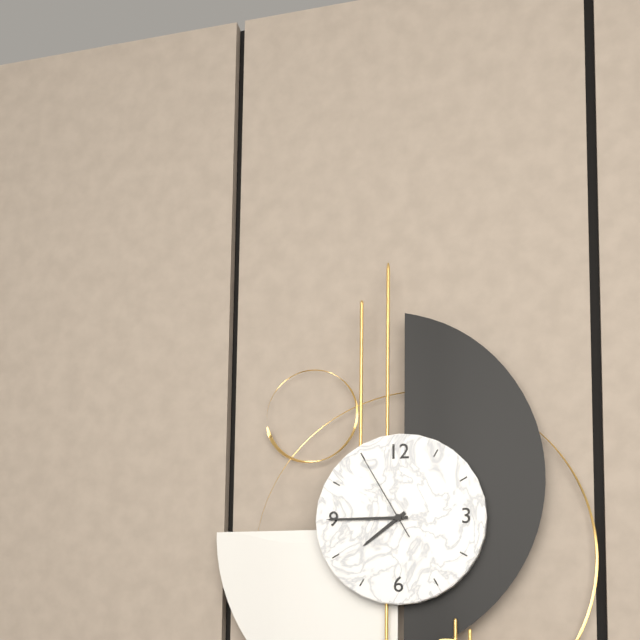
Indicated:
h=7 m=45 s=55
